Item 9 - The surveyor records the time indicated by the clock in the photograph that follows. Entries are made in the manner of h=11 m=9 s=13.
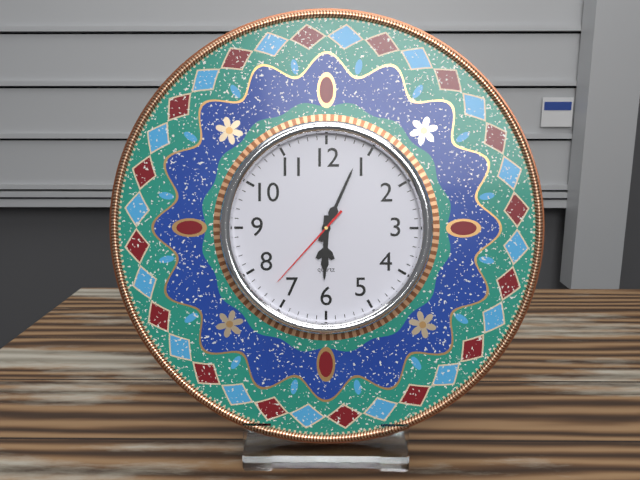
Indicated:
h=6 m=4 s=37
